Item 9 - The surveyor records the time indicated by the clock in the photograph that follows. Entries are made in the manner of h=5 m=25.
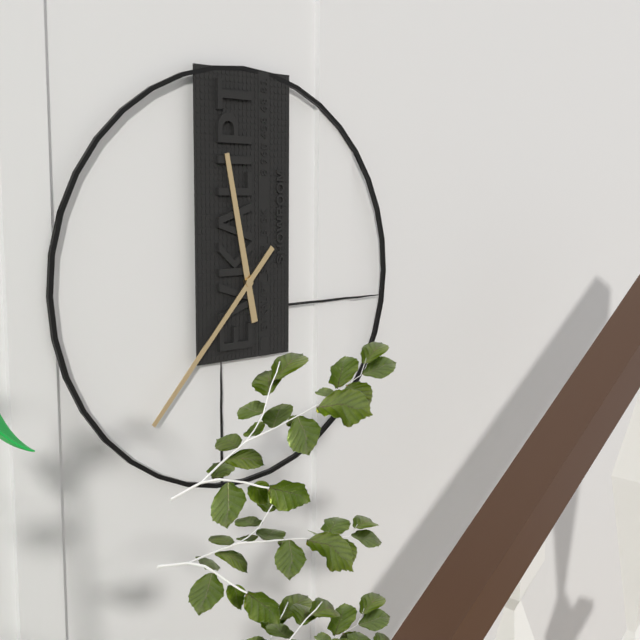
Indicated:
h=11 m=37
